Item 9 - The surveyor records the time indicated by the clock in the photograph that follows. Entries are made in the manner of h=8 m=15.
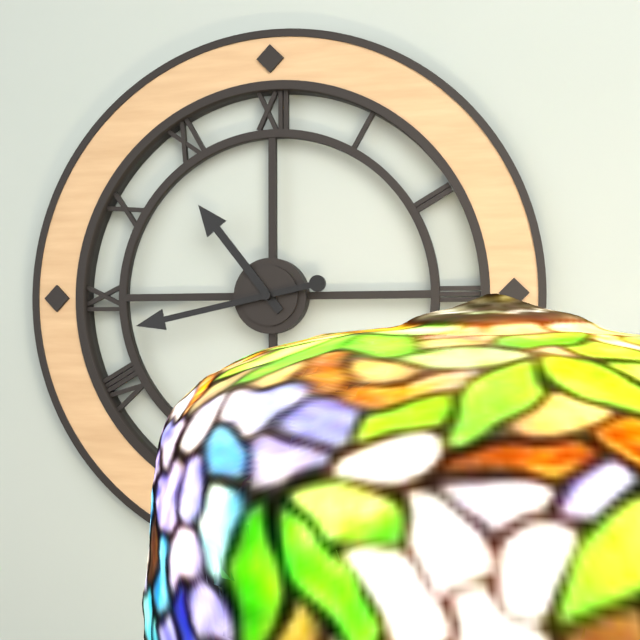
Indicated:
h=10 m=43
